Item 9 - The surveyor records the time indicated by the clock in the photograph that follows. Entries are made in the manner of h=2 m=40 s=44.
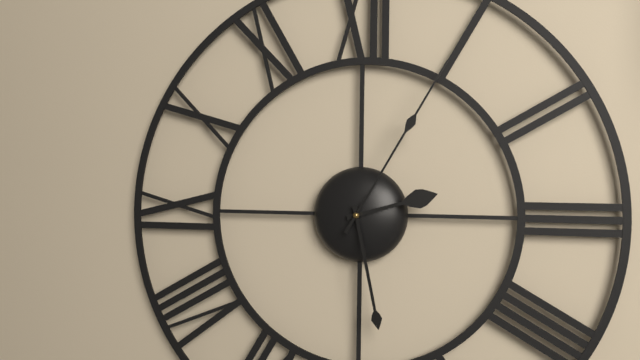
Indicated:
h=2 m=28 s=5
